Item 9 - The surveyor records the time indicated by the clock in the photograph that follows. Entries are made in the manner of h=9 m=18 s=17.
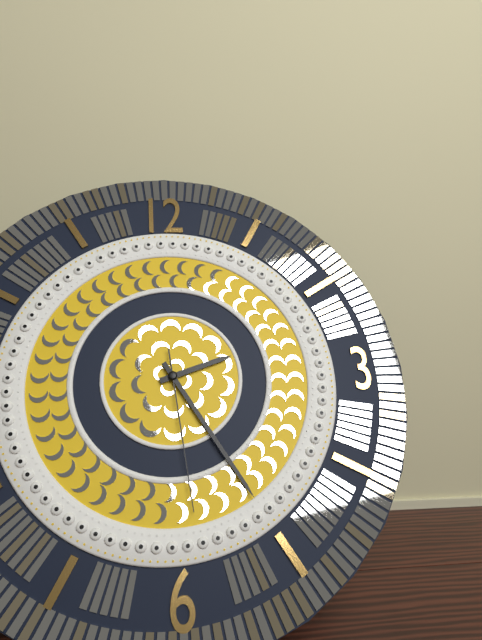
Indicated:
h=2 m=25 s=29
